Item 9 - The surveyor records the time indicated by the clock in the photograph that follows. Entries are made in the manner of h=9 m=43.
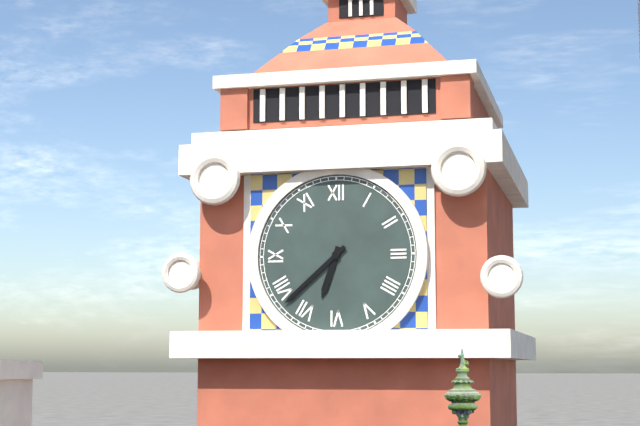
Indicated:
h=6 m=38
